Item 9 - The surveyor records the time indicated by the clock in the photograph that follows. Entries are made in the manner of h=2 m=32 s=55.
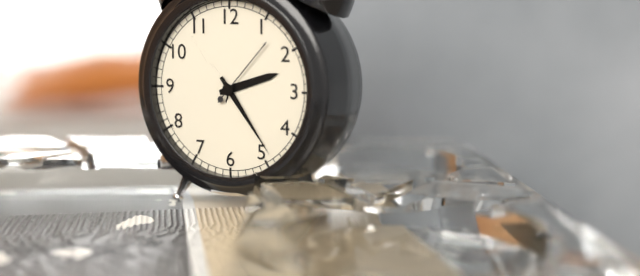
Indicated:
h=2 m=24 s=7
